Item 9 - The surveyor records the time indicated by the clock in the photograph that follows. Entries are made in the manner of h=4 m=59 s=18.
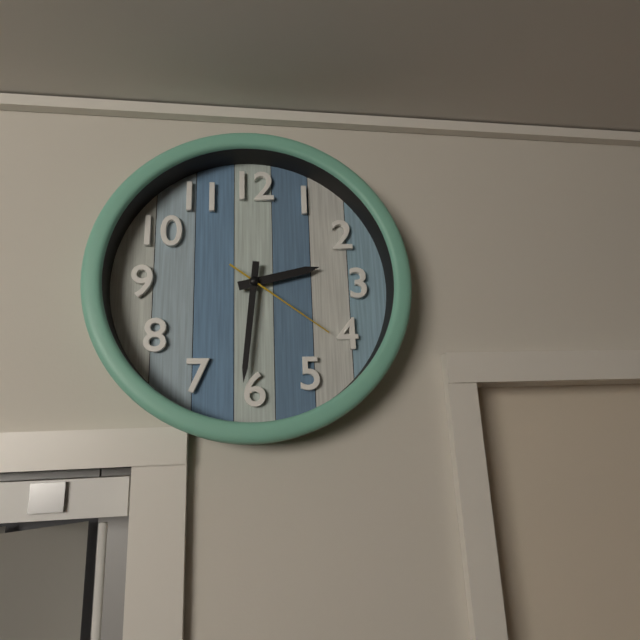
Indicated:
h=2 m=31 s=21
